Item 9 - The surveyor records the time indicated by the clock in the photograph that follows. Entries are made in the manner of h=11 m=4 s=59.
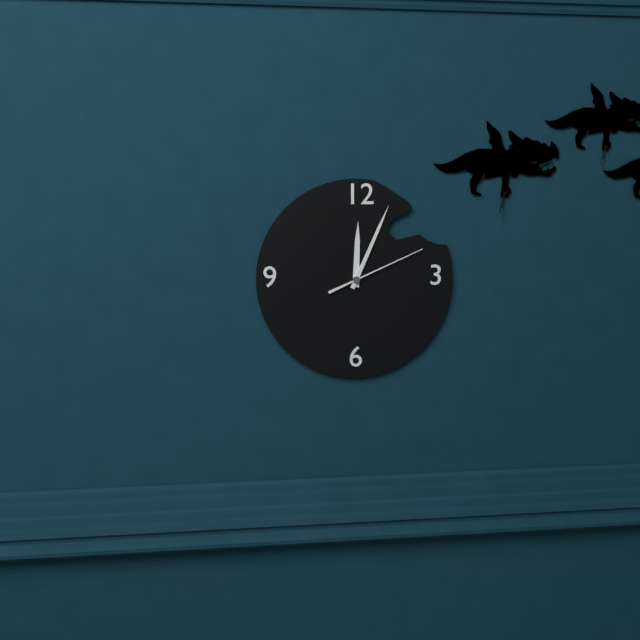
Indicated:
h=12 m=4 s=11
